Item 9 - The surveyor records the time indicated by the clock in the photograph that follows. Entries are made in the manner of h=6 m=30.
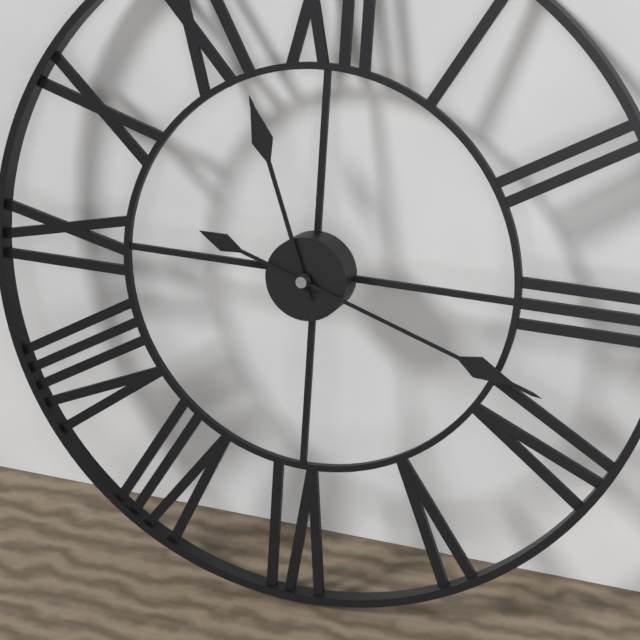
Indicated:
h=11 m=18
